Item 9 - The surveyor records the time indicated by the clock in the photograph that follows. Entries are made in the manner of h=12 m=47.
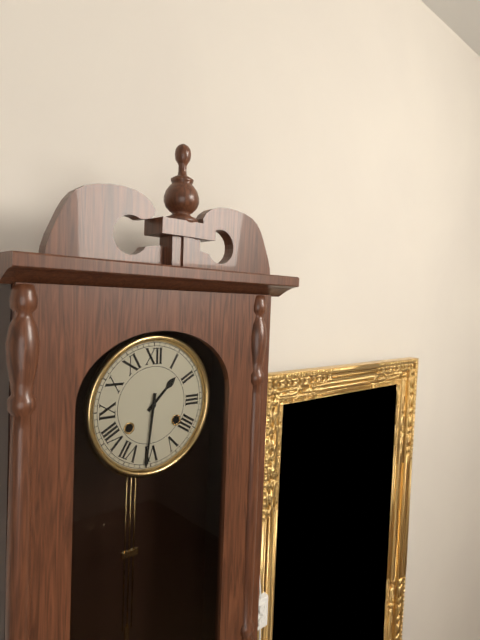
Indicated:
h=1 m=31
